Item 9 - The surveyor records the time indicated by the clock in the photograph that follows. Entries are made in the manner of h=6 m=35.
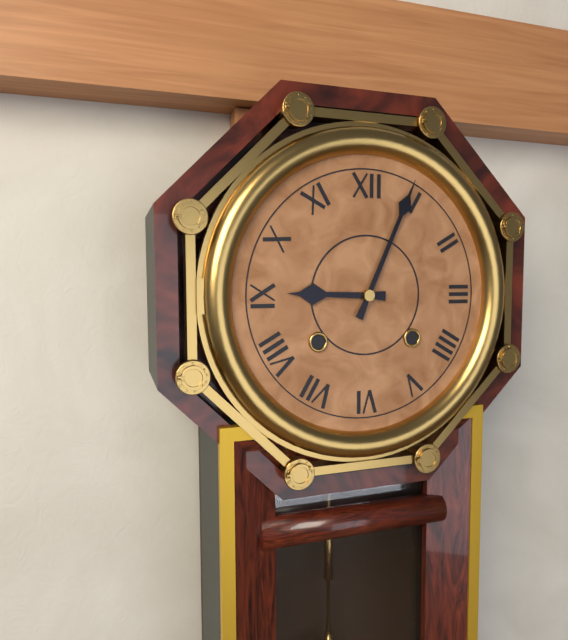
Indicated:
h=9 m=4
